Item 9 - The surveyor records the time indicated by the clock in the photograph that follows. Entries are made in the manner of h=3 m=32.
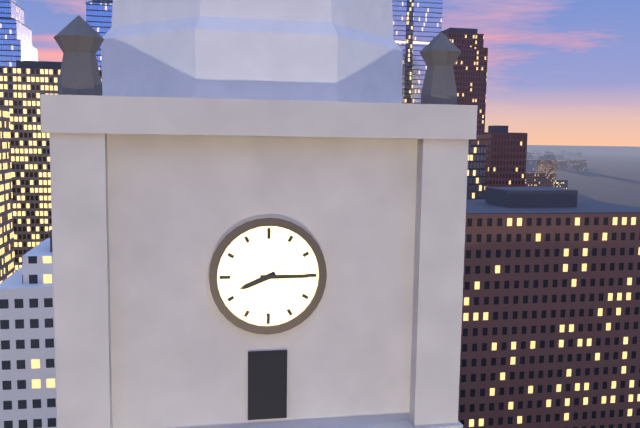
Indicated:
h=8 m=15
